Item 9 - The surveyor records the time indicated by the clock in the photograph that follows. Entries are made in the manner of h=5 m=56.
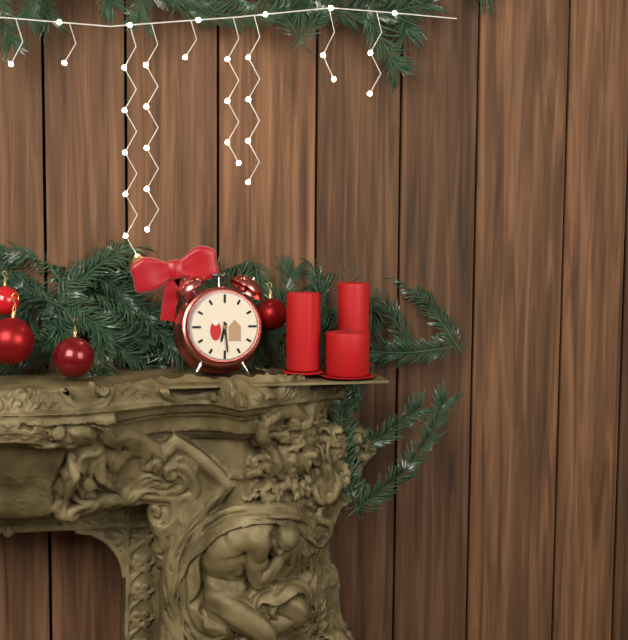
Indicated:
h=6 m=29
